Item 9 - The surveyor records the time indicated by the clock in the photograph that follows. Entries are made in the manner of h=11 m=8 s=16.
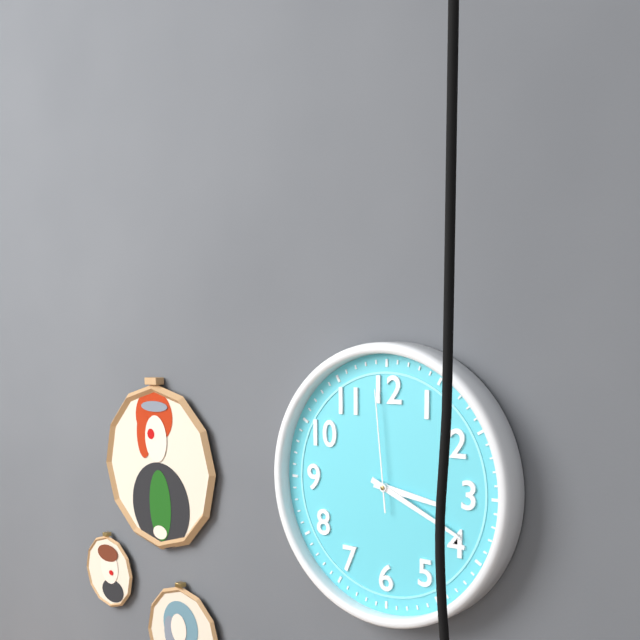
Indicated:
h=3 m=19 s=59
